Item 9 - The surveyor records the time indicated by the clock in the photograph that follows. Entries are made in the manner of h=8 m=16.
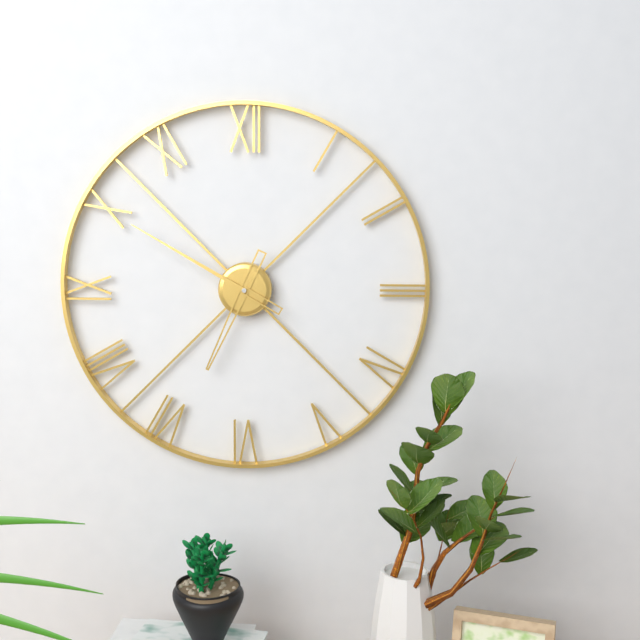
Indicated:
h=6 m=50
